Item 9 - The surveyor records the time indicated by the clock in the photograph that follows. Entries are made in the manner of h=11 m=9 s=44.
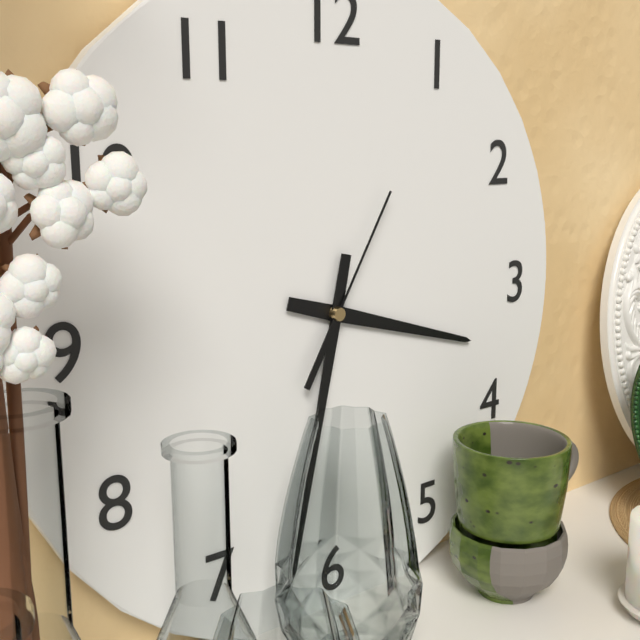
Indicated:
h=3 m=32 s=5
